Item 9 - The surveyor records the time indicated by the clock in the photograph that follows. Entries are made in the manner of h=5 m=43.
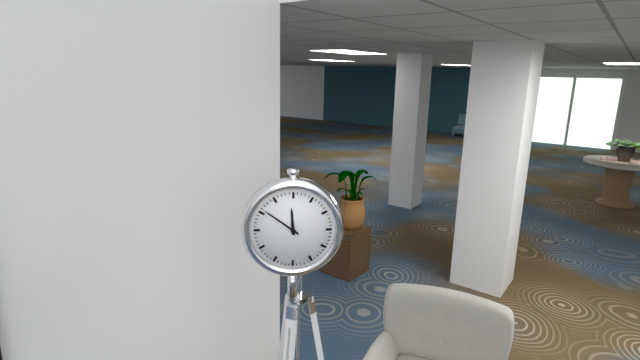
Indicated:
h=11 m=51
